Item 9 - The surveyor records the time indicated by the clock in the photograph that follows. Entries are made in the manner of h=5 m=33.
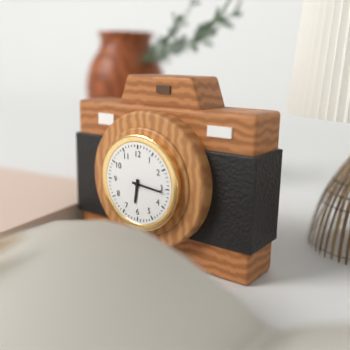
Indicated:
h=6 m=16
